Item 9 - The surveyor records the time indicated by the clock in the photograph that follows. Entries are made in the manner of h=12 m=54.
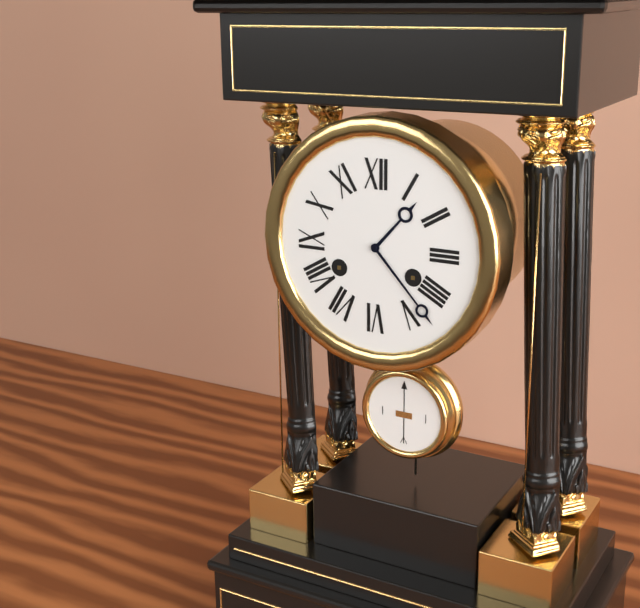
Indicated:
h=1 m=23
